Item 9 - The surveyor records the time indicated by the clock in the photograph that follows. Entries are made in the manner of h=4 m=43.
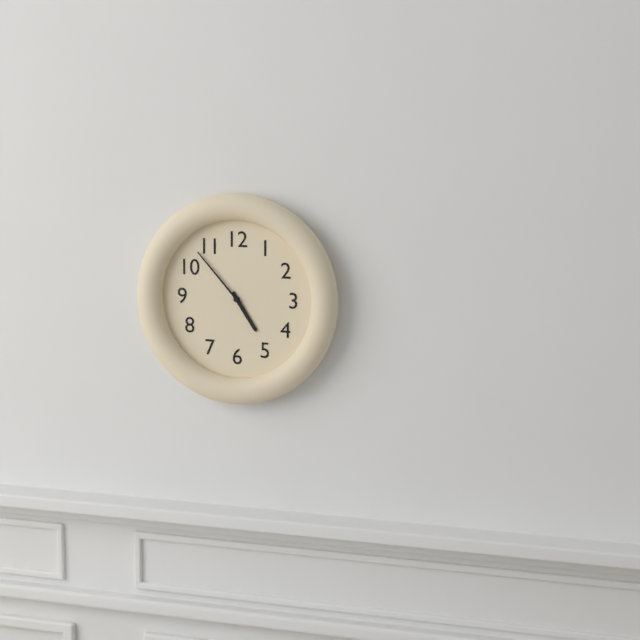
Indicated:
h=4 m=53
